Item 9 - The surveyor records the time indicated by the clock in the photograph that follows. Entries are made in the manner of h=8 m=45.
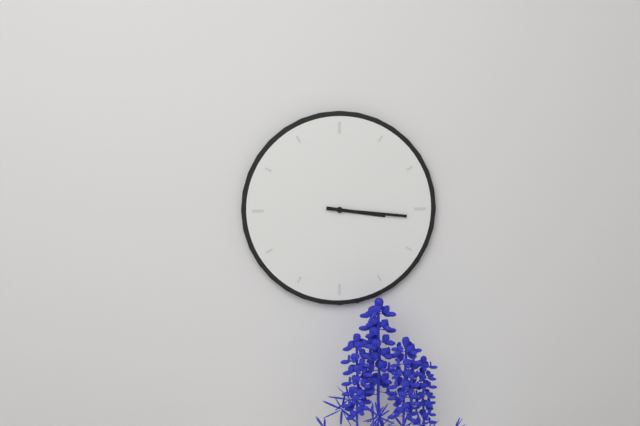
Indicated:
h=3 m=16
